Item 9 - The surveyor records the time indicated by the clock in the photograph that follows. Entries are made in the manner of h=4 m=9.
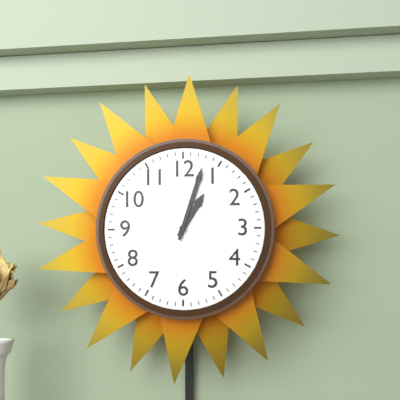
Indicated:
h=1 m=3
